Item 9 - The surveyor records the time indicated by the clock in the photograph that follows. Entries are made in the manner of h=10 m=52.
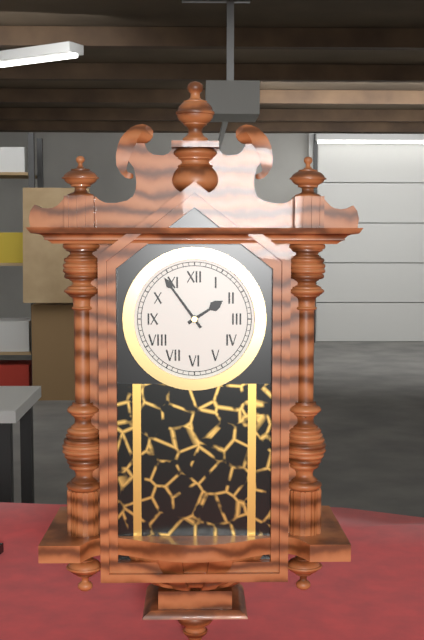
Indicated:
h=1 m=54
